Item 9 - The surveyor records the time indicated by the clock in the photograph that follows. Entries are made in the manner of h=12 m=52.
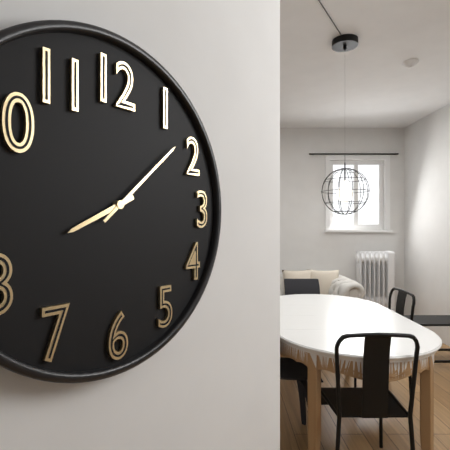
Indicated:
h=8 m=8
